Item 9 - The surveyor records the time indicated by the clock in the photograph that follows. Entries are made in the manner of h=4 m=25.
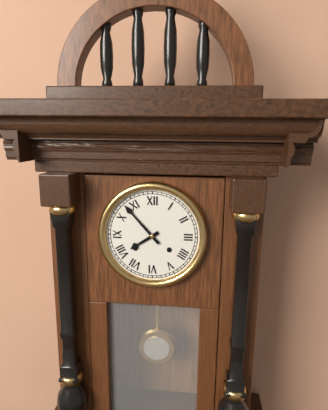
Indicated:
h=7 m=53
